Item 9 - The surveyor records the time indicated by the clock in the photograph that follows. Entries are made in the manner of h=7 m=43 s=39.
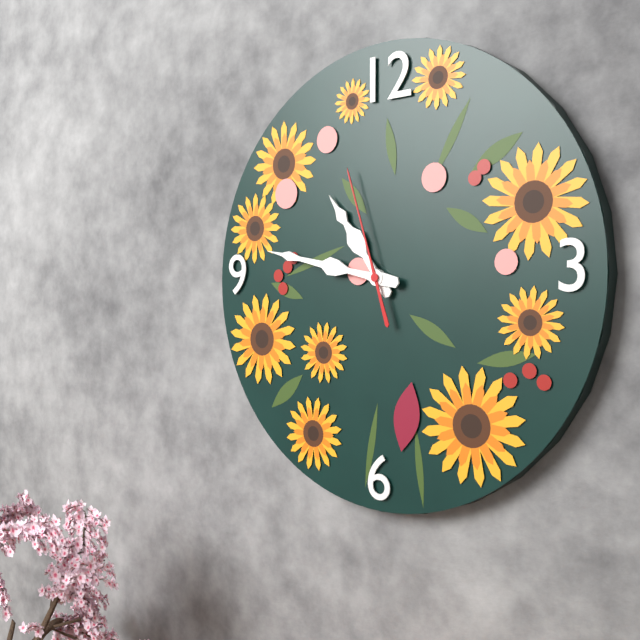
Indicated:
h=10 m=47 s=57
